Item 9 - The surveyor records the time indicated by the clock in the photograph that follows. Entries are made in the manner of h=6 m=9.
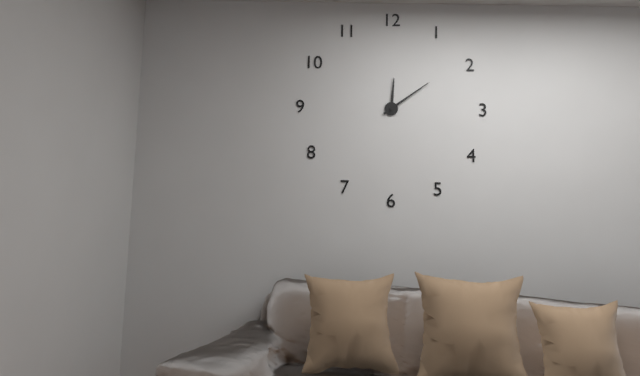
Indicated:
h=12 m=9
